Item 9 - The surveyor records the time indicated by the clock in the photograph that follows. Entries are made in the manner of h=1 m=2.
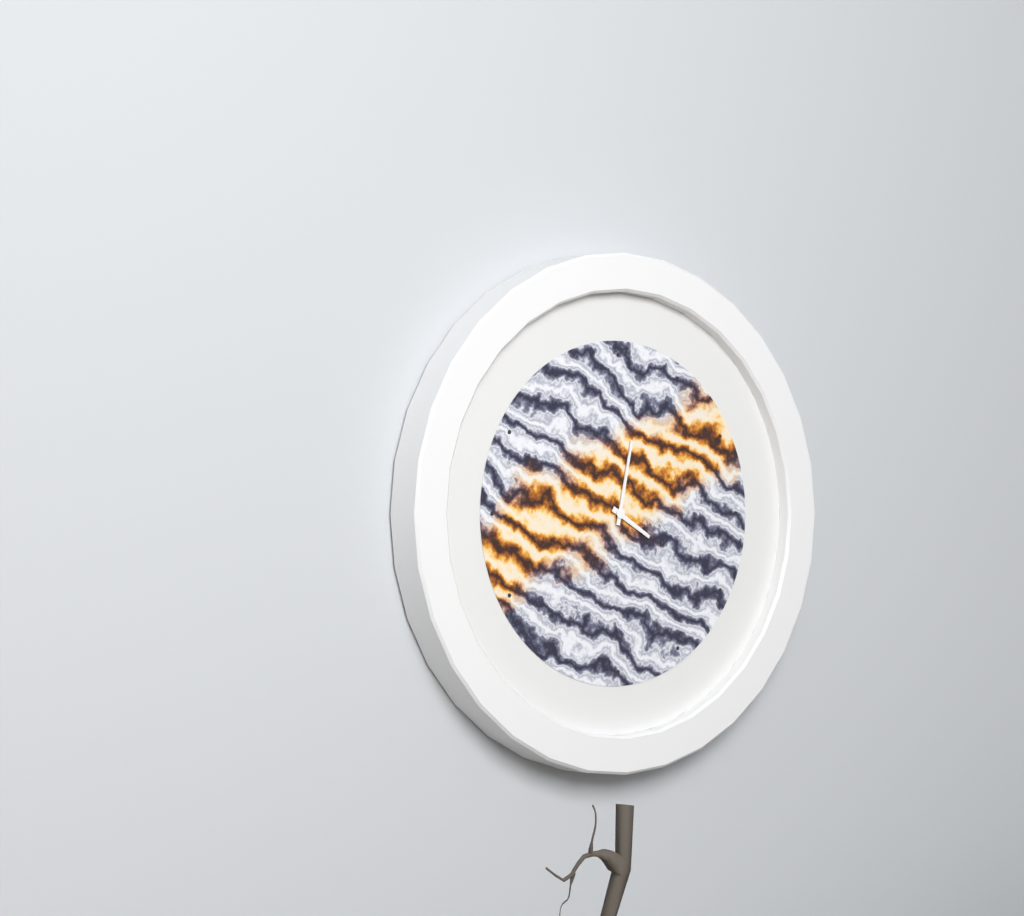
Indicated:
h=4 m=2
